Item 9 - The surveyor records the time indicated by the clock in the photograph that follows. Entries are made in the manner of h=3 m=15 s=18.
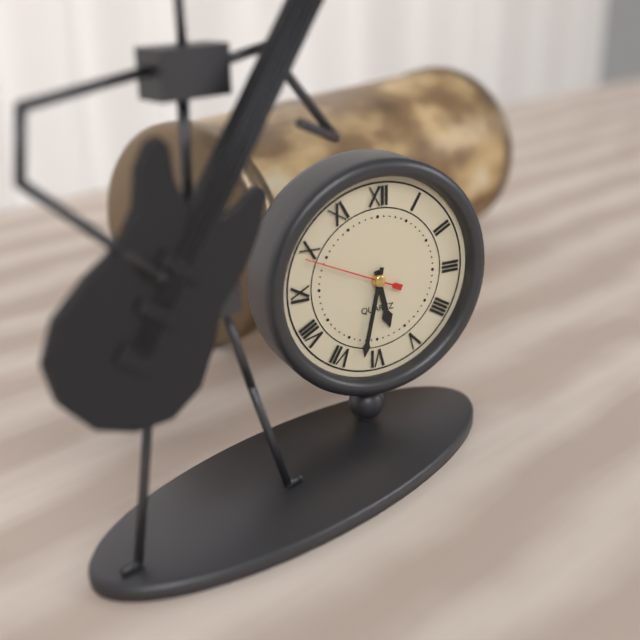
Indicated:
h=5 m=32 s=49
